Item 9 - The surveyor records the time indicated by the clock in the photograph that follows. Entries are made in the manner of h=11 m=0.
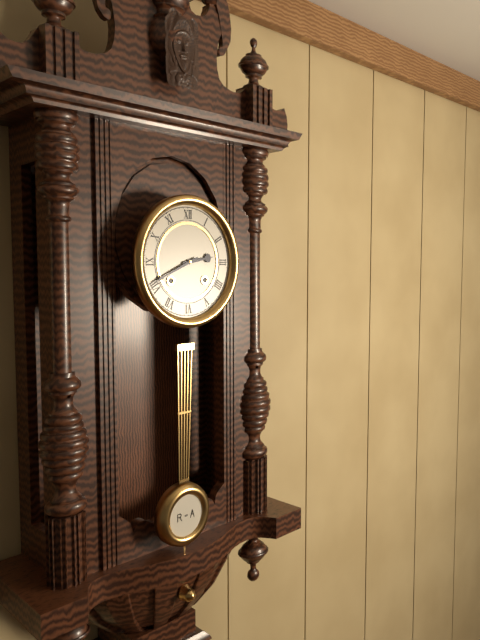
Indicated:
h=2 m=41
